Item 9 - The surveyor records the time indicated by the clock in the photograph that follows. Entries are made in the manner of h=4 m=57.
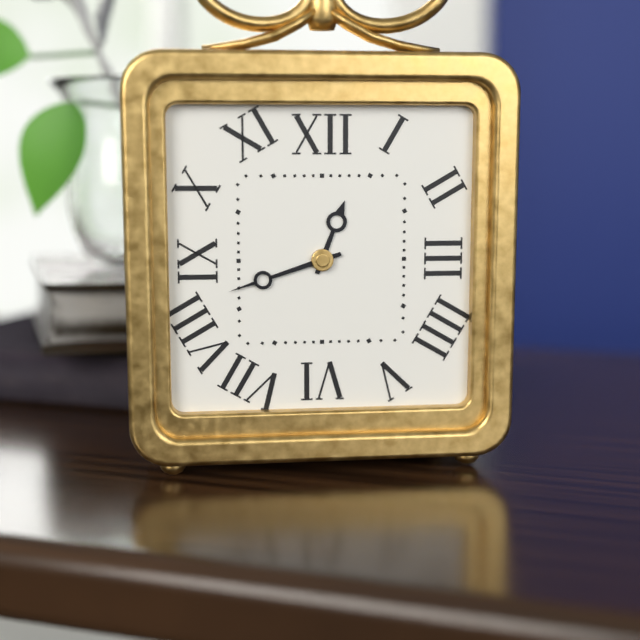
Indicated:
h=12 m=42
